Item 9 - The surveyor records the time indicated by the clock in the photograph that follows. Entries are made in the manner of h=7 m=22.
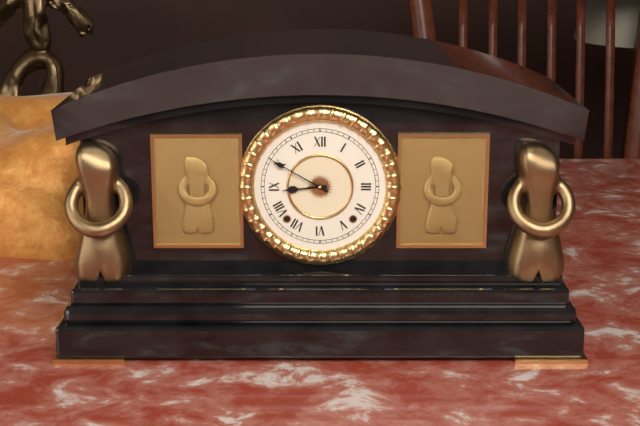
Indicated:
h=8 m=50
